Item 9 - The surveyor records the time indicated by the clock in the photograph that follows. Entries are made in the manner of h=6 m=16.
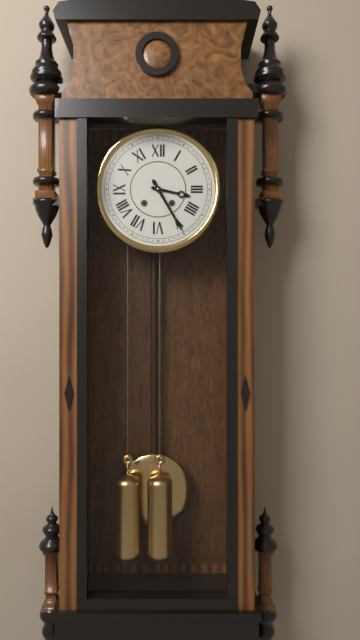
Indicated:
h=3 m=25
